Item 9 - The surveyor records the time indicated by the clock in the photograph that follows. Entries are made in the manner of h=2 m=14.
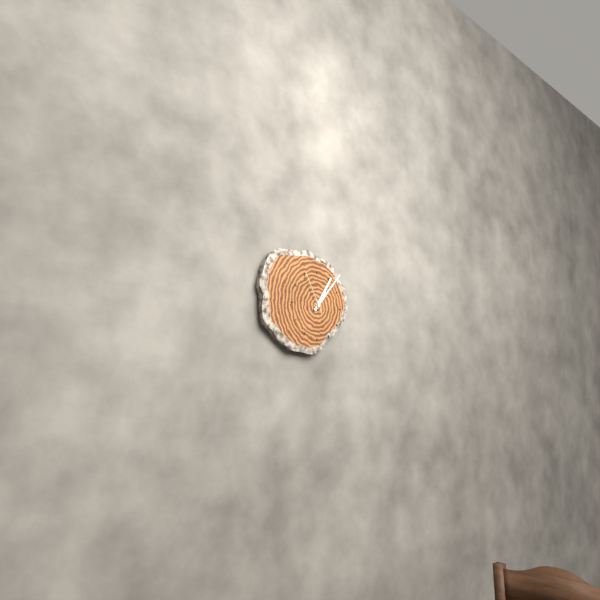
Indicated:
h=1 m=7
